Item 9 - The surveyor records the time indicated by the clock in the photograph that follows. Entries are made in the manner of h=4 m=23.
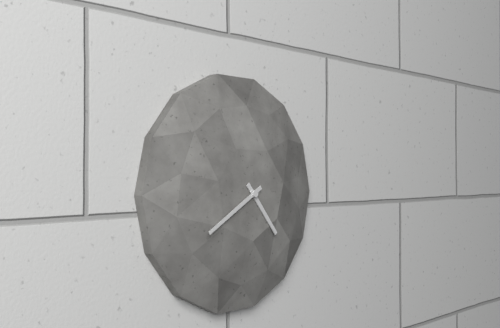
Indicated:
h=4 m=40
